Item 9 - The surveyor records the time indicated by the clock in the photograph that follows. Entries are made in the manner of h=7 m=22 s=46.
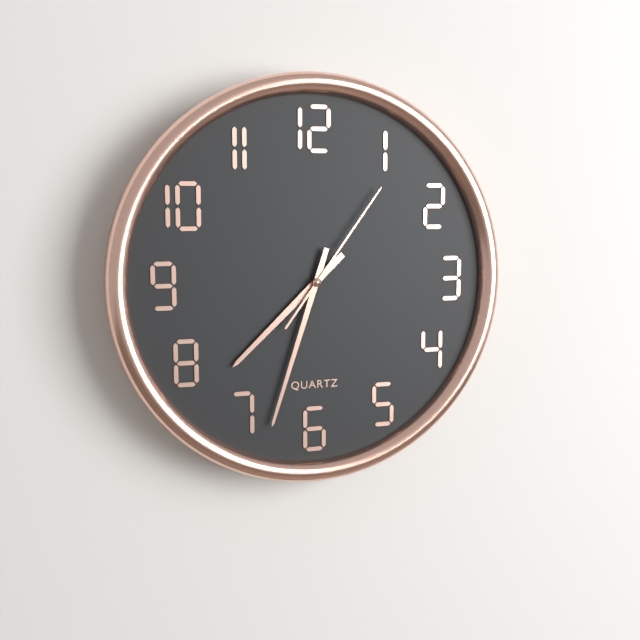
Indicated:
h=7 m=33 s=6
